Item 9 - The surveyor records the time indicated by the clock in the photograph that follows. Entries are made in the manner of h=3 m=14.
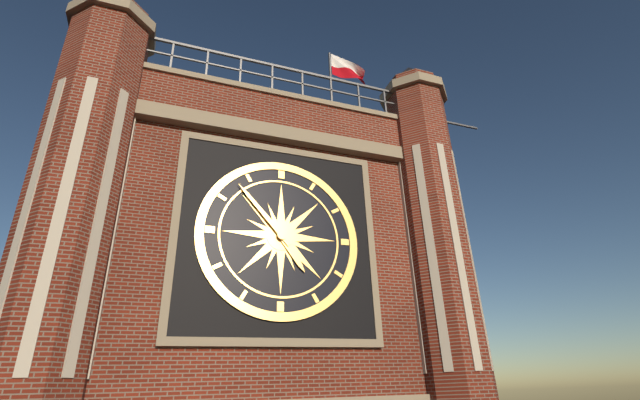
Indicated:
h=4 m=53
